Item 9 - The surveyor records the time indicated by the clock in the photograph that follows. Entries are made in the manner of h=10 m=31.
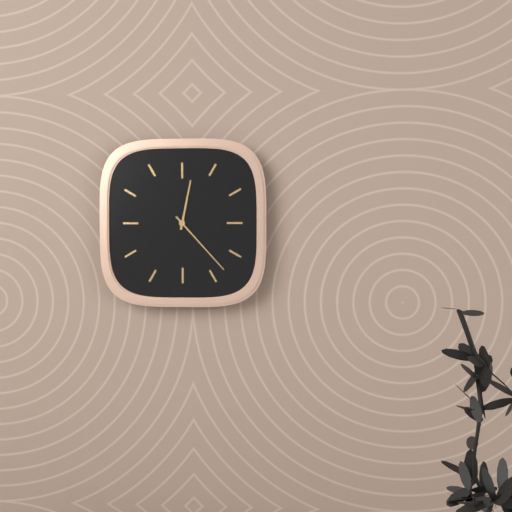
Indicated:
h=12 m=23
